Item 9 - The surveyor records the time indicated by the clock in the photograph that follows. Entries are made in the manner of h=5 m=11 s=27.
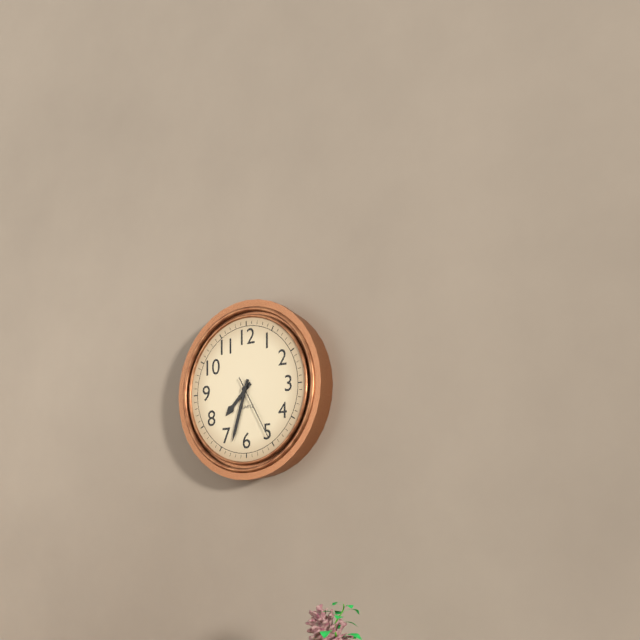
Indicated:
h=7 m=33 s=25
